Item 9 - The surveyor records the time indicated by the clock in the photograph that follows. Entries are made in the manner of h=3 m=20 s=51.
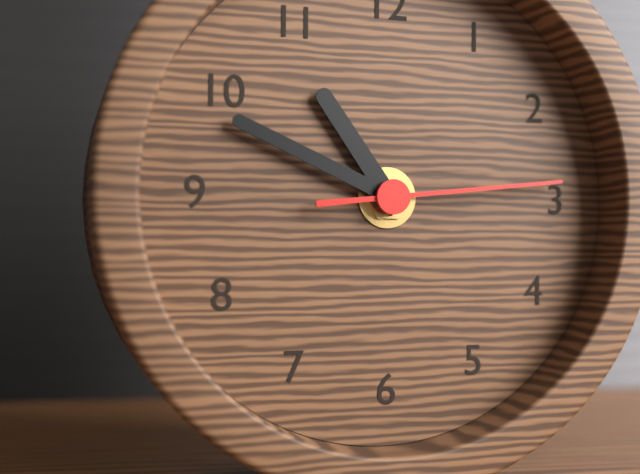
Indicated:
h=10 m=49 s=14
